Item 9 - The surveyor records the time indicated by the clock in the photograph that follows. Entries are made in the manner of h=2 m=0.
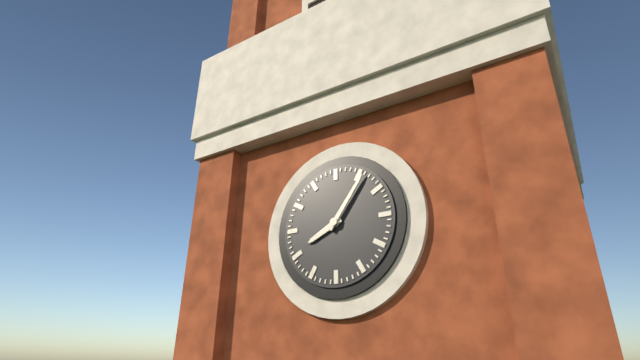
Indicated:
h=8 m=6
